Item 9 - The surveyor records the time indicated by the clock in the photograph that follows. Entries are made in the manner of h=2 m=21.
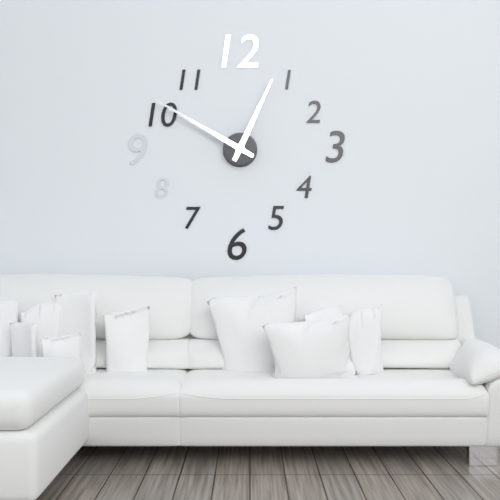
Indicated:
h=12 m=50
